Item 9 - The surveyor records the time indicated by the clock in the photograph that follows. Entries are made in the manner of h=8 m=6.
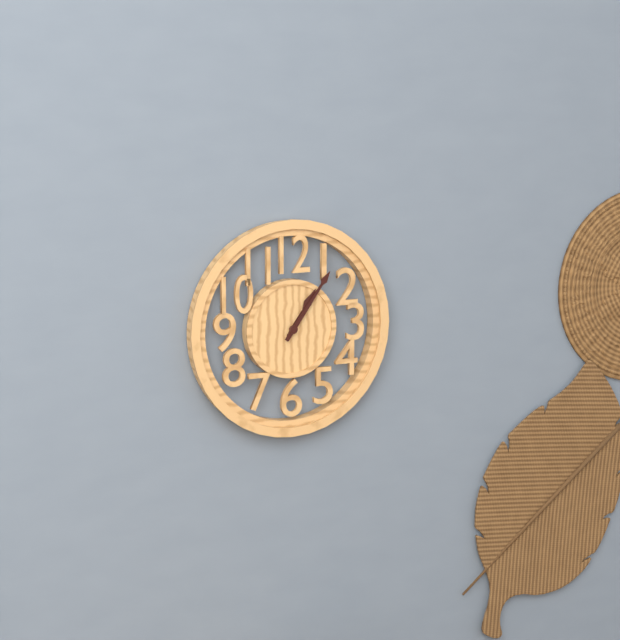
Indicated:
h=1 m=6
